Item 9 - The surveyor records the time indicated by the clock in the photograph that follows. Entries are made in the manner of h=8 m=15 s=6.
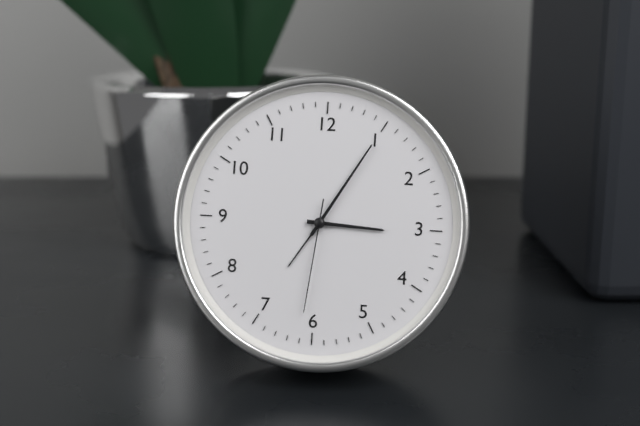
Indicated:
h=3 m=5 s=31
